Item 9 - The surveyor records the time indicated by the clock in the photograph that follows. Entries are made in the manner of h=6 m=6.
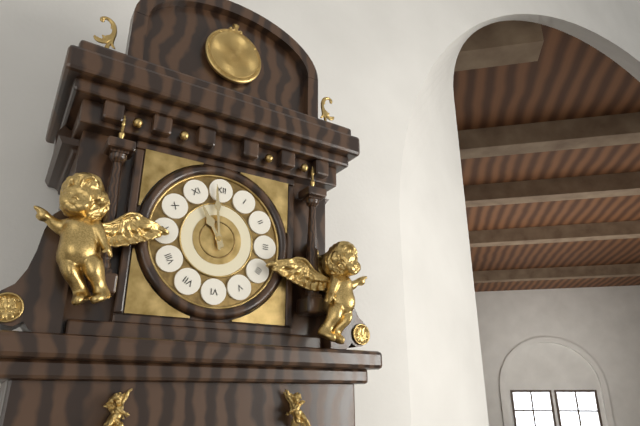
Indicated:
h=10 m=59
